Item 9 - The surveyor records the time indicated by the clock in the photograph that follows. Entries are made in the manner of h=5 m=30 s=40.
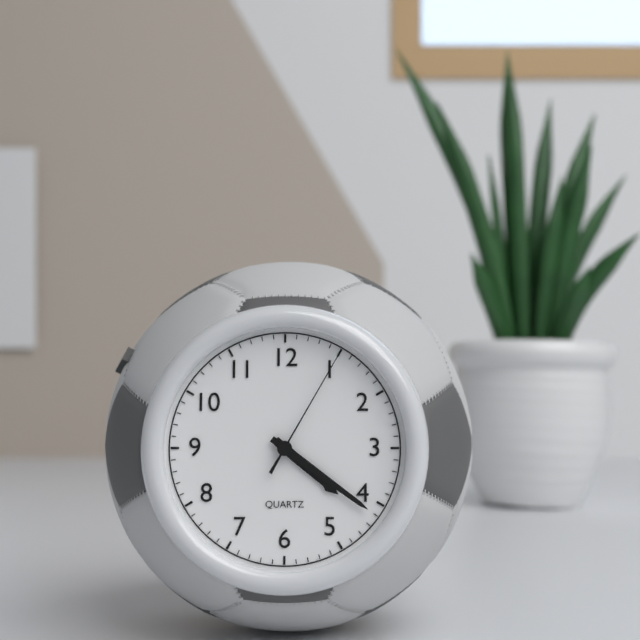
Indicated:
h=4 m=21 s=5
